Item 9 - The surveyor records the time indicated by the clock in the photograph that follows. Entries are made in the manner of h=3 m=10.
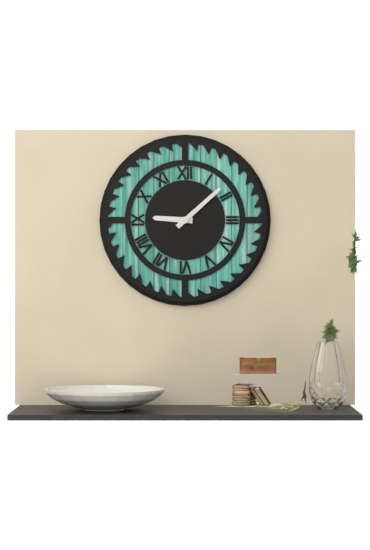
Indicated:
h=9 m=8
